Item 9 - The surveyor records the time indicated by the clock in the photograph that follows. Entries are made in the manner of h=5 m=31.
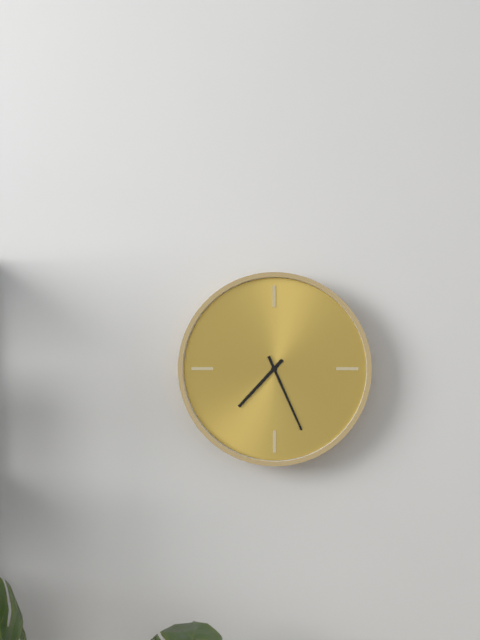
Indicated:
h=7 m=26
